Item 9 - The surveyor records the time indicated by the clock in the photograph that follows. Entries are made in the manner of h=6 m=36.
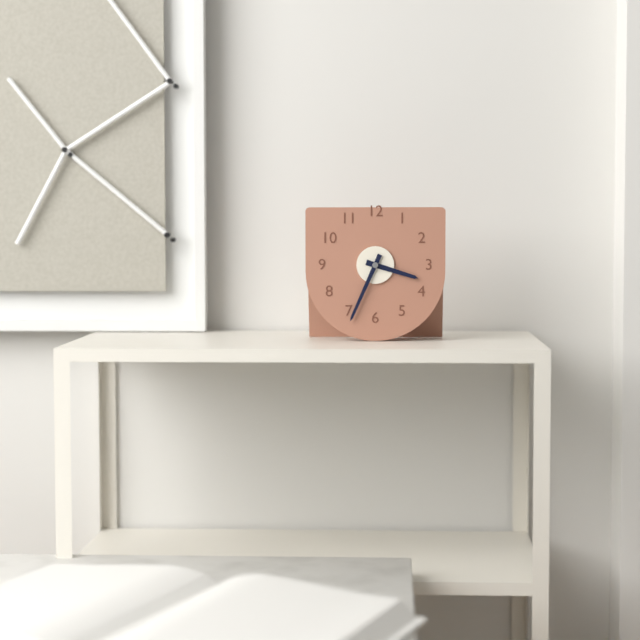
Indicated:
h=3 m=34
